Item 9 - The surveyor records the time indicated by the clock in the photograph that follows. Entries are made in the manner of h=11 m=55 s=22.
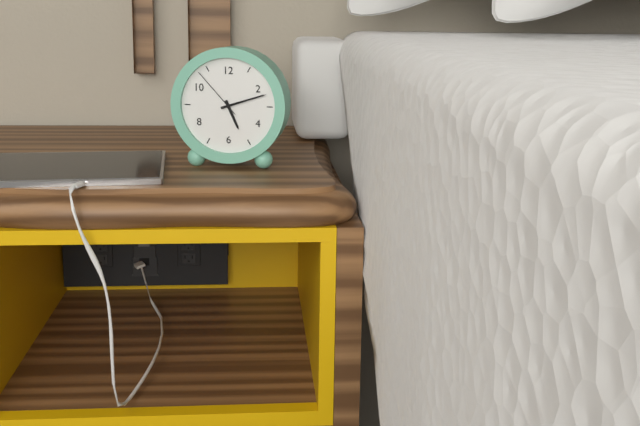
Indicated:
h=5 m=12 s=53
